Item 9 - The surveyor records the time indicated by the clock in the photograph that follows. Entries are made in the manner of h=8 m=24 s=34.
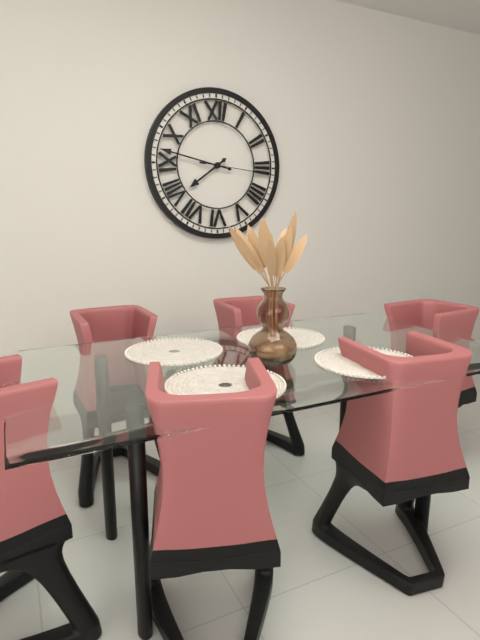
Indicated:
h=7 m=47 s=16
